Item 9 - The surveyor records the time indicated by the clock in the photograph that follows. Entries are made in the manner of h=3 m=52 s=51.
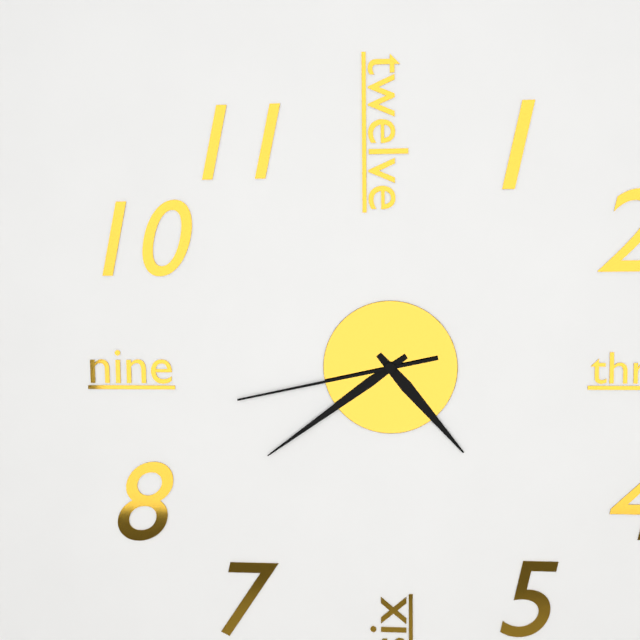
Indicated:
h=4 m=39 s=43
